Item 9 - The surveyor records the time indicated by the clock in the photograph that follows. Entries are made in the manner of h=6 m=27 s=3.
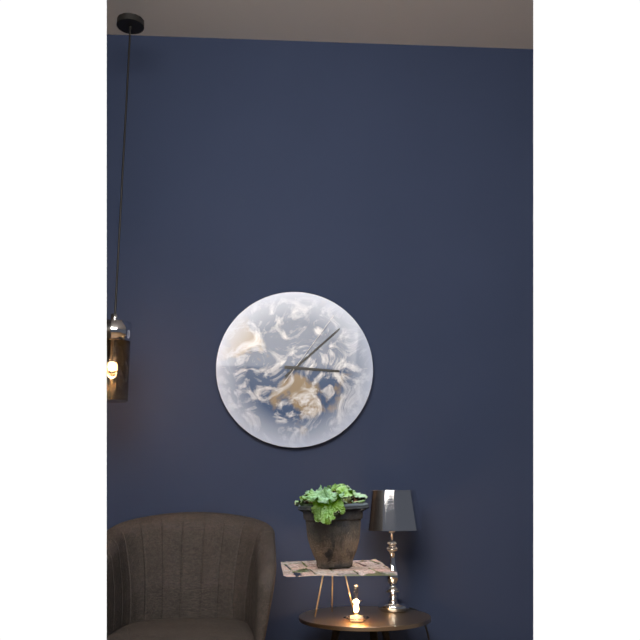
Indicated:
h=3 m=8 s=6
